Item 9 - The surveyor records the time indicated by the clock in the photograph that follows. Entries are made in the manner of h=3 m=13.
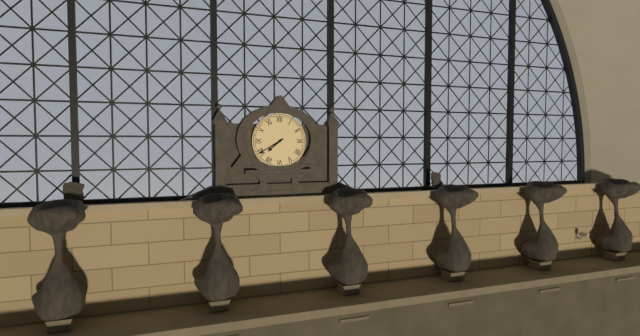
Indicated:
h=7 m=40
